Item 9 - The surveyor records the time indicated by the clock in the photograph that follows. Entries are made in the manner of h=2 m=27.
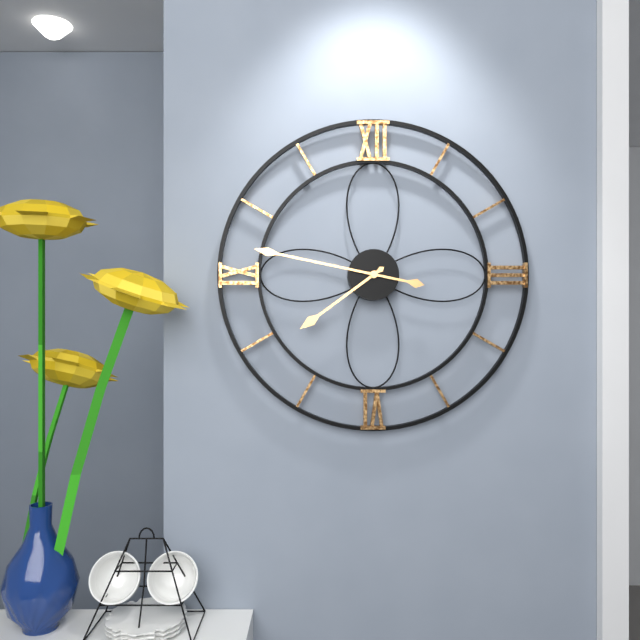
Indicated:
h=7 m=47
